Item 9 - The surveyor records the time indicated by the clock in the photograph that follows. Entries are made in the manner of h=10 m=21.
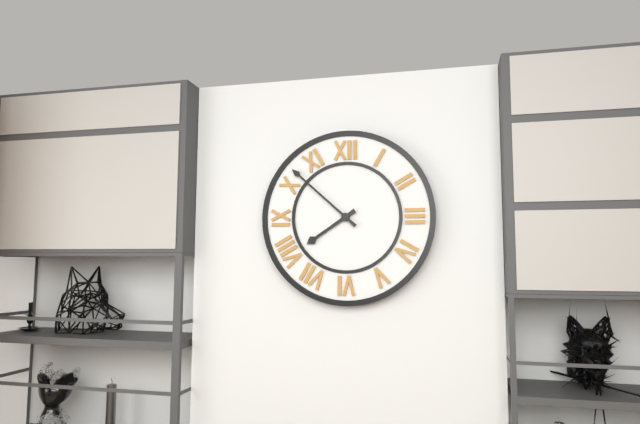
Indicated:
h=7 m=52
